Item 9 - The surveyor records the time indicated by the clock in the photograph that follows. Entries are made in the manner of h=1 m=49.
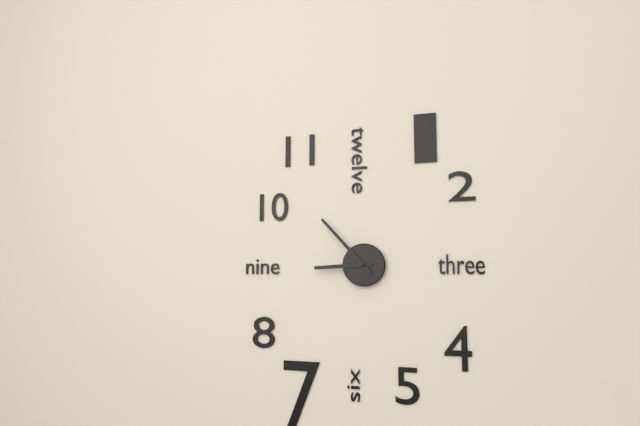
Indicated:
h=8 m=53
